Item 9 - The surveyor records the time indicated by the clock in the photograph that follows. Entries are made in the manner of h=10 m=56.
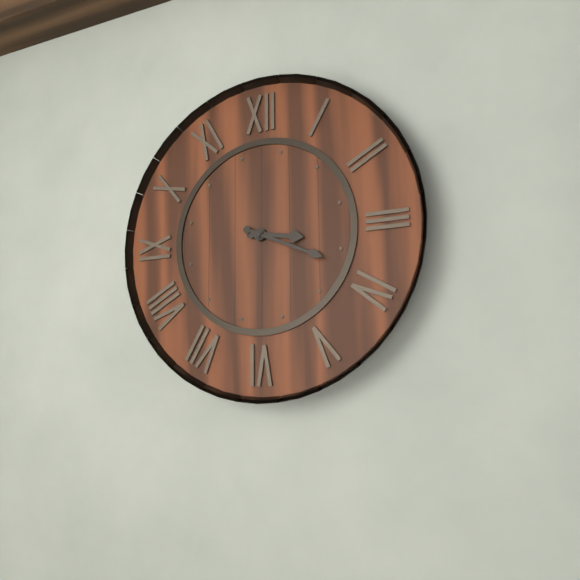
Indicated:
h=3 m=19
